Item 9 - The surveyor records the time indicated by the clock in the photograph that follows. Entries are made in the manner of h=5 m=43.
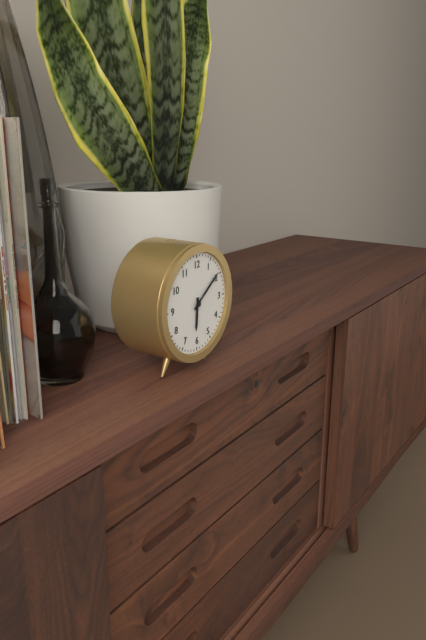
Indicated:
h=6 m=9
